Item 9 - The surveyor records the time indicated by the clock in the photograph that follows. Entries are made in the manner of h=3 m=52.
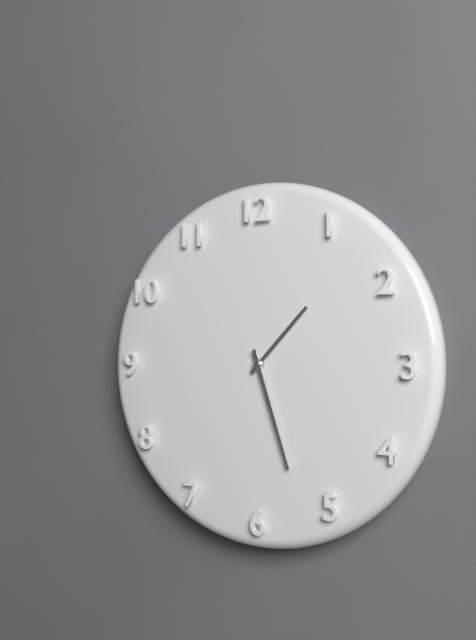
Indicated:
h=1 m=27
